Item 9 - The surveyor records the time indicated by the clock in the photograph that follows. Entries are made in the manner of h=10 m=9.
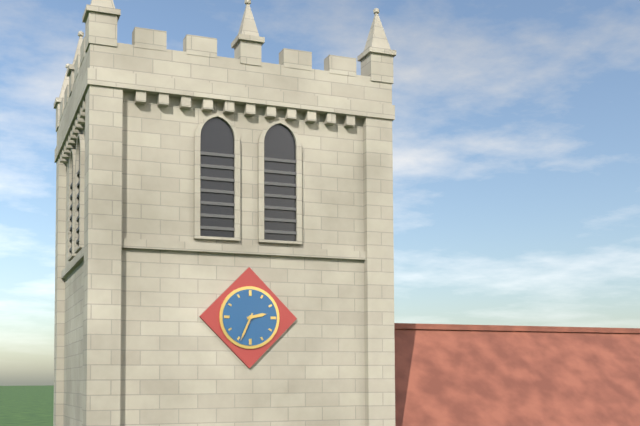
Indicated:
h=2 m=34
